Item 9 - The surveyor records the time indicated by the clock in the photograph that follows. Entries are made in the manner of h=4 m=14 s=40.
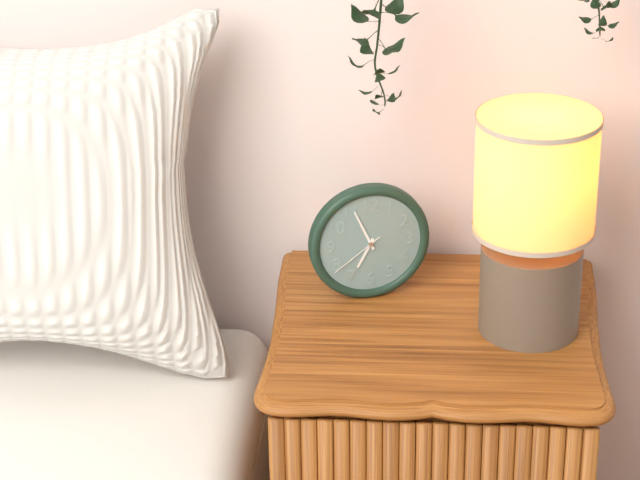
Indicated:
h=6 m=56 s=39
